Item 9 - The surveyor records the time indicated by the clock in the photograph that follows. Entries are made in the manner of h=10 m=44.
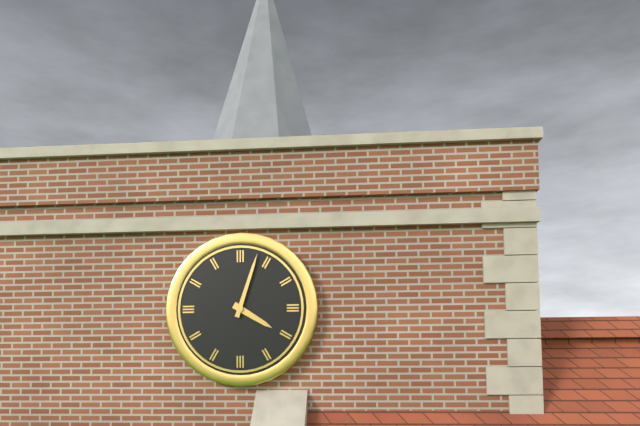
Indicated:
h=4 m=3
